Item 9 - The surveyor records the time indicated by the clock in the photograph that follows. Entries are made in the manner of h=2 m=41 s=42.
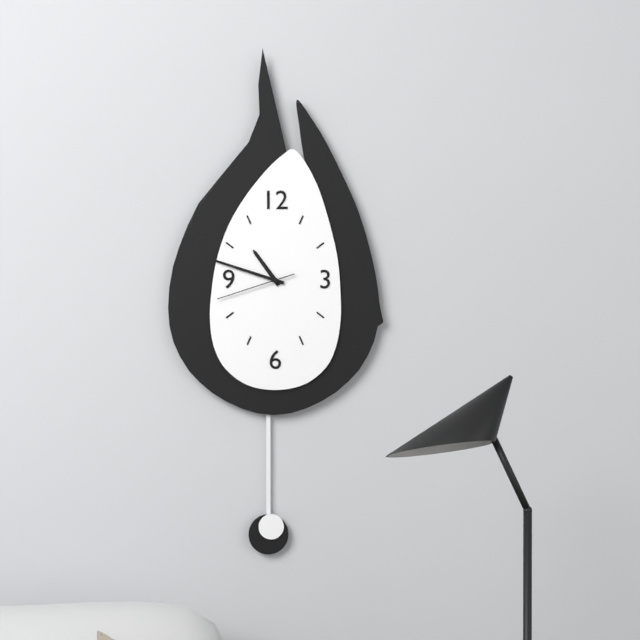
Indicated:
h=10 m=48 s=42
